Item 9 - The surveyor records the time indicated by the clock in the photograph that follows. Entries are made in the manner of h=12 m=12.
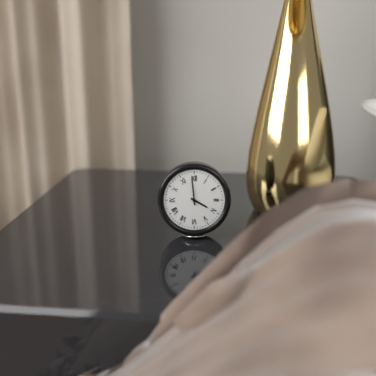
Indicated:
h=3 m=59
